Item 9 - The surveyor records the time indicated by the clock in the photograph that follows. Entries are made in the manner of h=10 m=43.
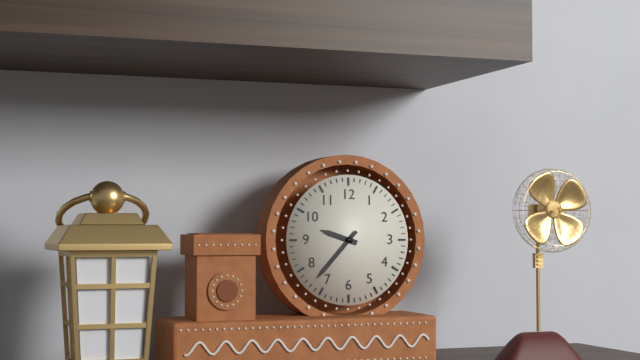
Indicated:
h=9 m=37
